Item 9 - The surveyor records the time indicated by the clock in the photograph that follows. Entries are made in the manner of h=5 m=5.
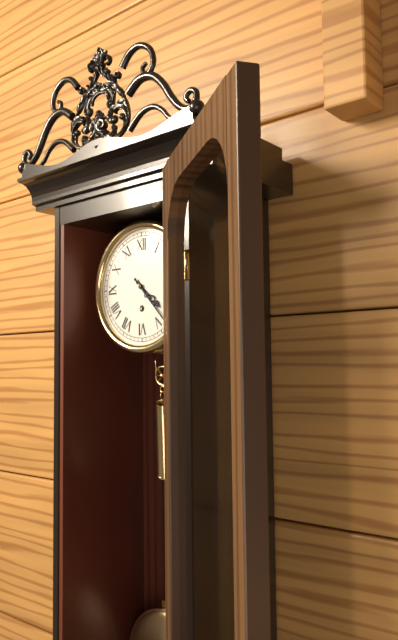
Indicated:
h=4 m=23
